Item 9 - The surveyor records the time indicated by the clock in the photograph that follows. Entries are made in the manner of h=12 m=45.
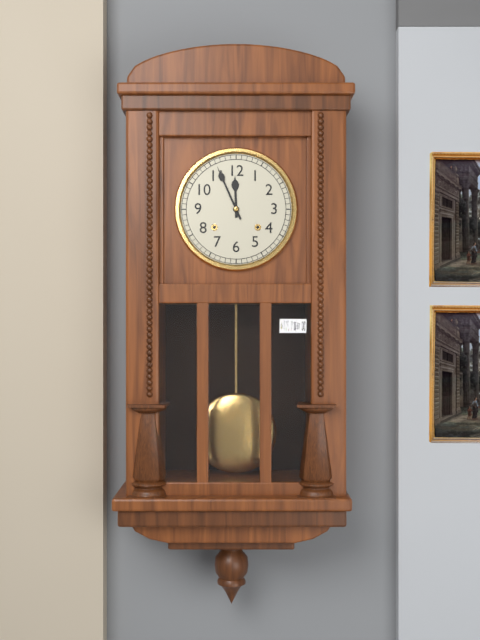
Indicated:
h=11 m=56
